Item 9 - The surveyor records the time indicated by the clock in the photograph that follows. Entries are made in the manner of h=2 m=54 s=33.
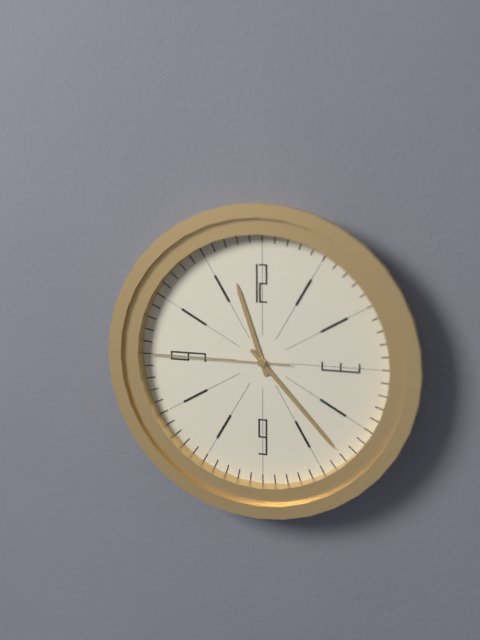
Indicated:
h=11 m=23 s=45
